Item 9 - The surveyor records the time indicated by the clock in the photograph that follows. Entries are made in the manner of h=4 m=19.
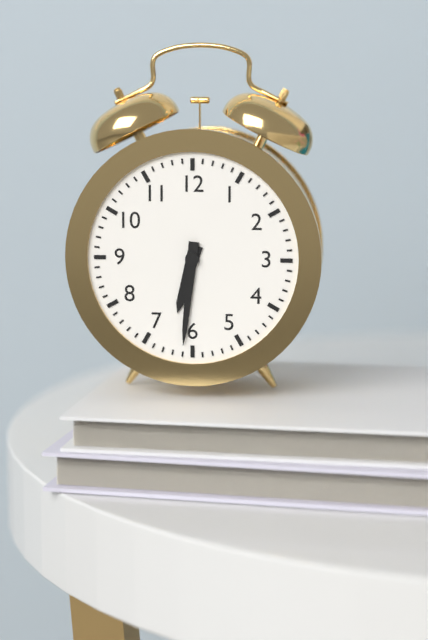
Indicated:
h=6 m=31
